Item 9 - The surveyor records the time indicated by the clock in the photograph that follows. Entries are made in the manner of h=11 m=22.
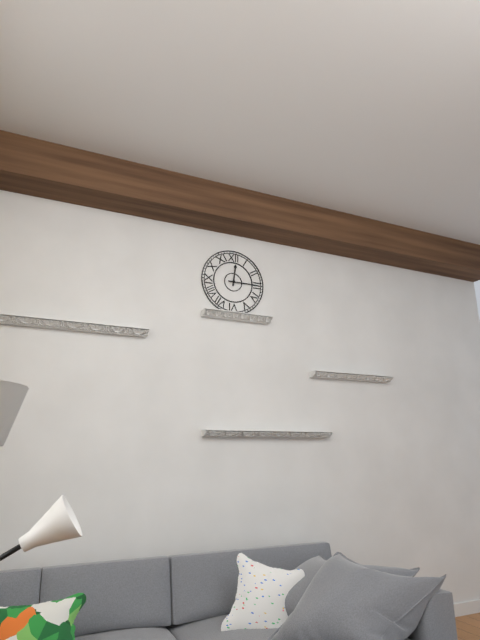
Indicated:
h=12 m=15
